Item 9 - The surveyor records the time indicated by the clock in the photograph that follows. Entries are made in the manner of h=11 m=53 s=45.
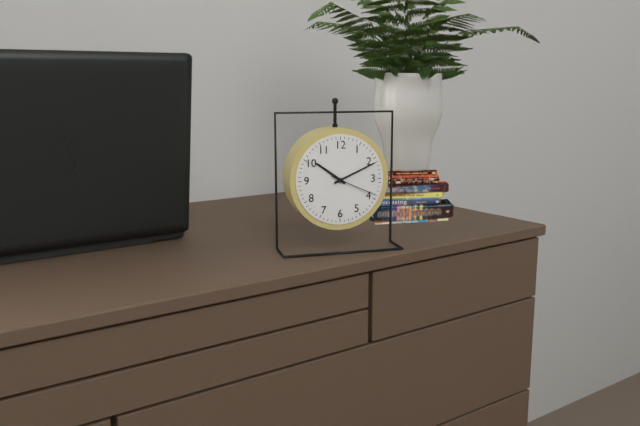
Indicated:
h=10 m=11 s=19
